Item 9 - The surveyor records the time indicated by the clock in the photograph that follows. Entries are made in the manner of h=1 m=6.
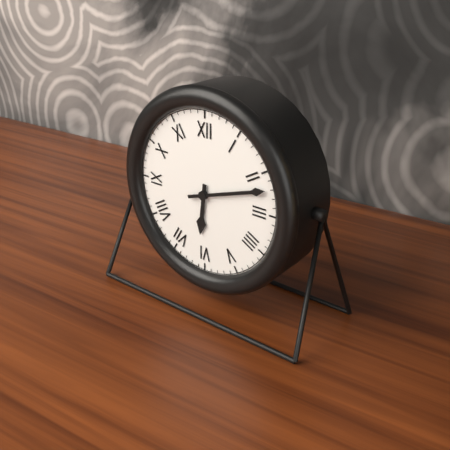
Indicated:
h=6 m=12
